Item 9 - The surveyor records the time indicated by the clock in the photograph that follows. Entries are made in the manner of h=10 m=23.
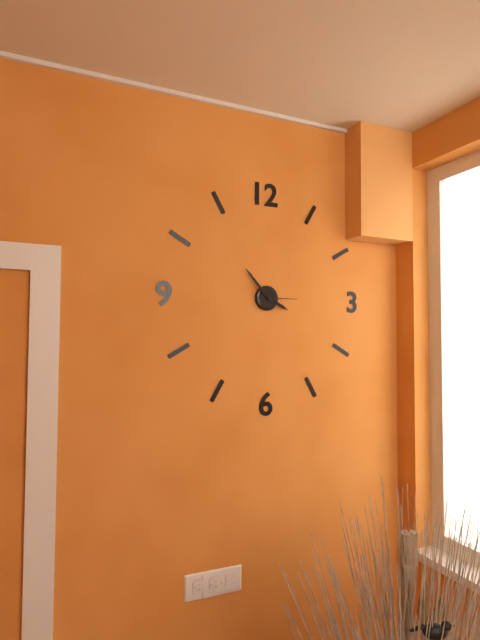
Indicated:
h=3 m=53
